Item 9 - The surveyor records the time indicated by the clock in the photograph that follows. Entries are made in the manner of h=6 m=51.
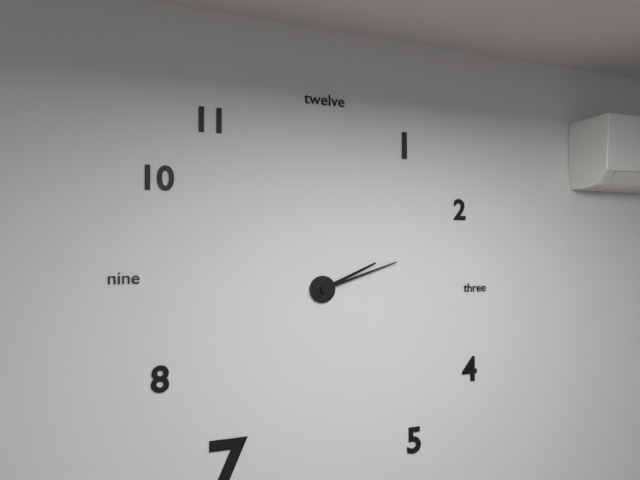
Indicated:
h=2 m=12
